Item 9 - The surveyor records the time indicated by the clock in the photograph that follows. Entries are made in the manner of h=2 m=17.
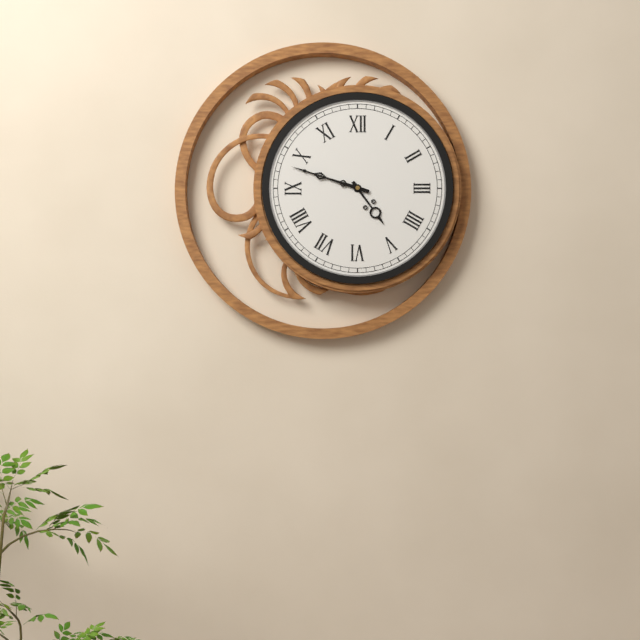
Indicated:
h=4 m=48
